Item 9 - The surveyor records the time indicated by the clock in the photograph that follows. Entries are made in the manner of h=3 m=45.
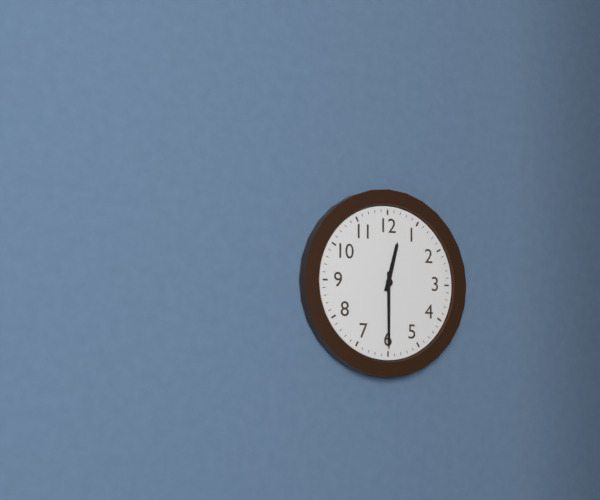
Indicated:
h=12 m=30
